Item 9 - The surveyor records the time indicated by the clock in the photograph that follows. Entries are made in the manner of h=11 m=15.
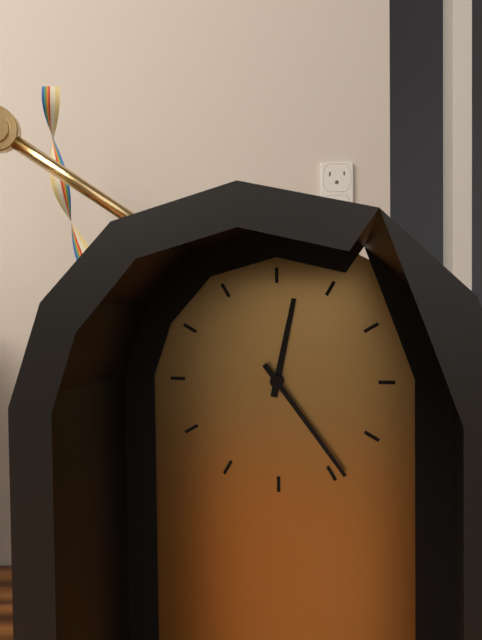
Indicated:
h=12 m=24
